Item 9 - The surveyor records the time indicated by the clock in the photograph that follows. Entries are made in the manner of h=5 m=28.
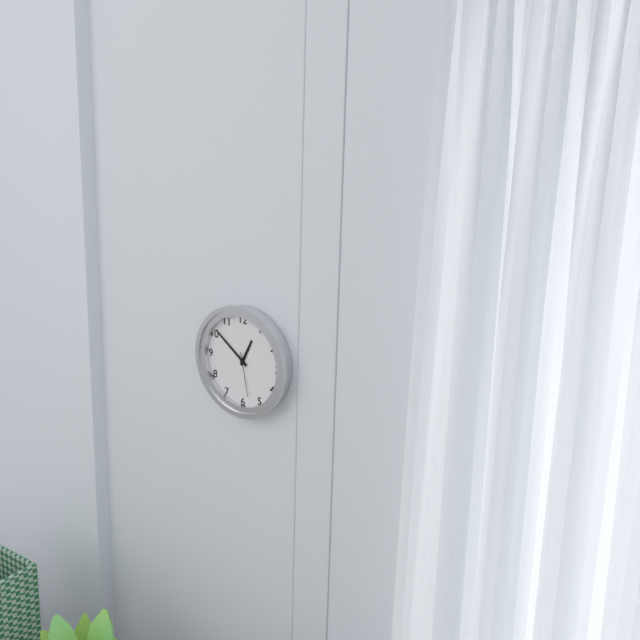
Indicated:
h=12 m=51
